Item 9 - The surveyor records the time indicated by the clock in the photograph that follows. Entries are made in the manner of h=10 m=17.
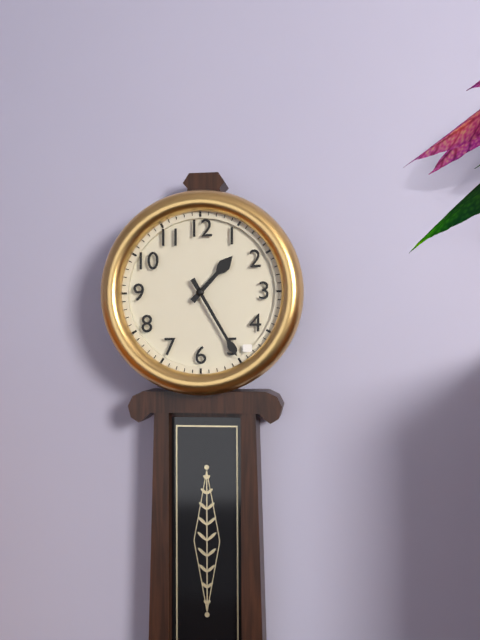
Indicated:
h=1 m=25
